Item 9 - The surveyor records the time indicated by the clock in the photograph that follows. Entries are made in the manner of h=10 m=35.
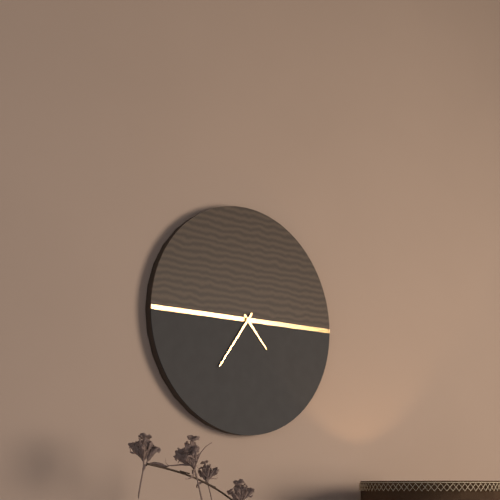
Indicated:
h=4 m=36
